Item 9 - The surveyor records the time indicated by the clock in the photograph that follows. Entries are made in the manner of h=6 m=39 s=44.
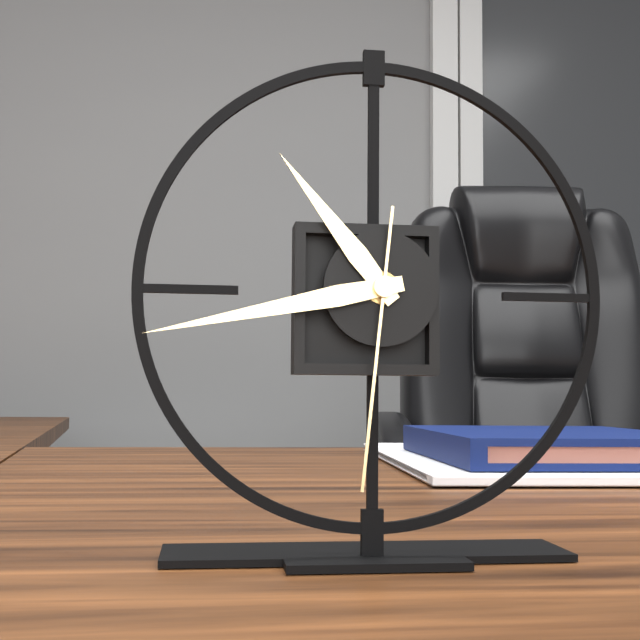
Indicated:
h=10 m=43 s=31
